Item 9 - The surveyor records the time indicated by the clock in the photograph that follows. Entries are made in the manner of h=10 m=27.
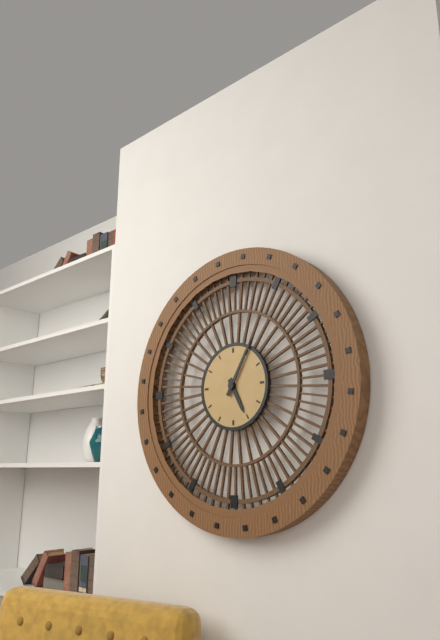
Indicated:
h=5 m=5
